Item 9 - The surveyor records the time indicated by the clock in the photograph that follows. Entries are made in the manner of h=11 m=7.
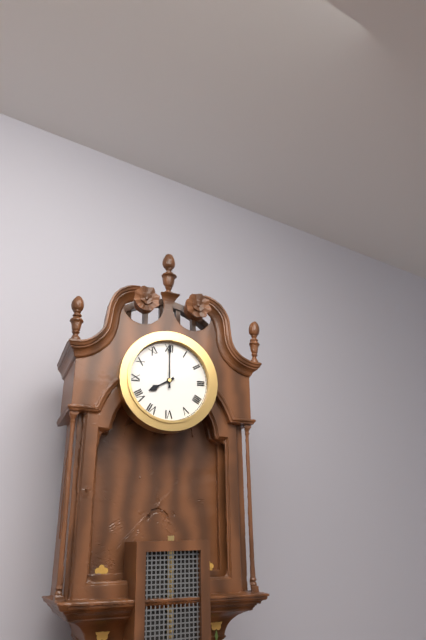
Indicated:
h=8 m=0
